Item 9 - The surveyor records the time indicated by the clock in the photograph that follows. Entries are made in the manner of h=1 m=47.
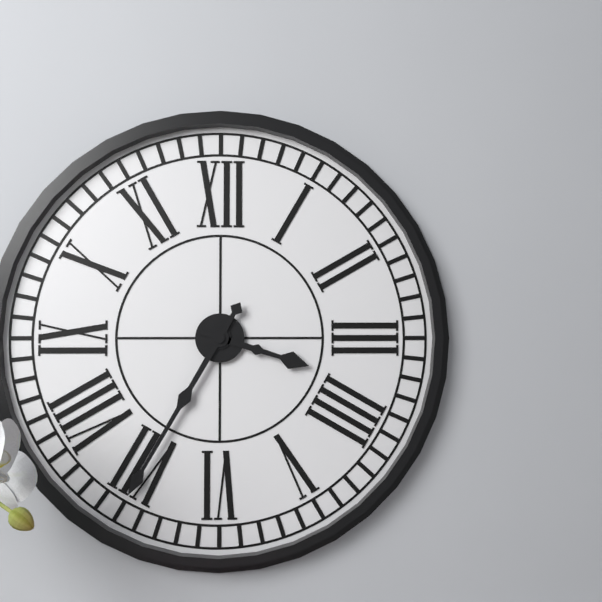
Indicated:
h=3 m=35
